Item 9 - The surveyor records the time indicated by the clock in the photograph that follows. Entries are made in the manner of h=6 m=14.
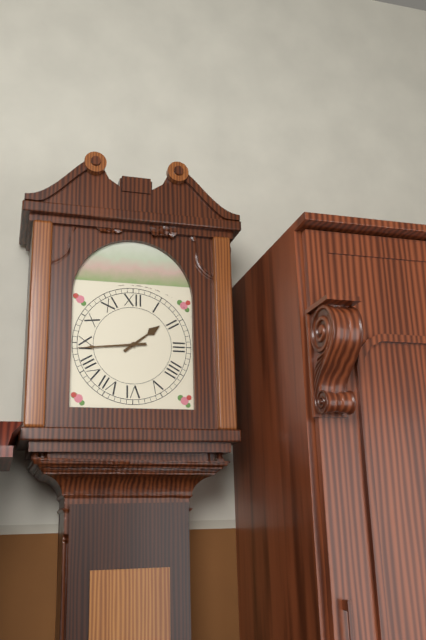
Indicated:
h=1 m=44
